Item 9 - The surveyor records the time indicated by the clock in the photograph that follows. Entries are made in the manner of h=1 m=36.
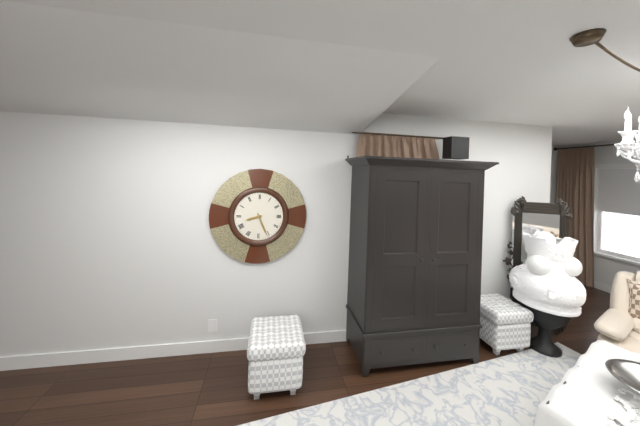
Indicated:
h=8 m=26
